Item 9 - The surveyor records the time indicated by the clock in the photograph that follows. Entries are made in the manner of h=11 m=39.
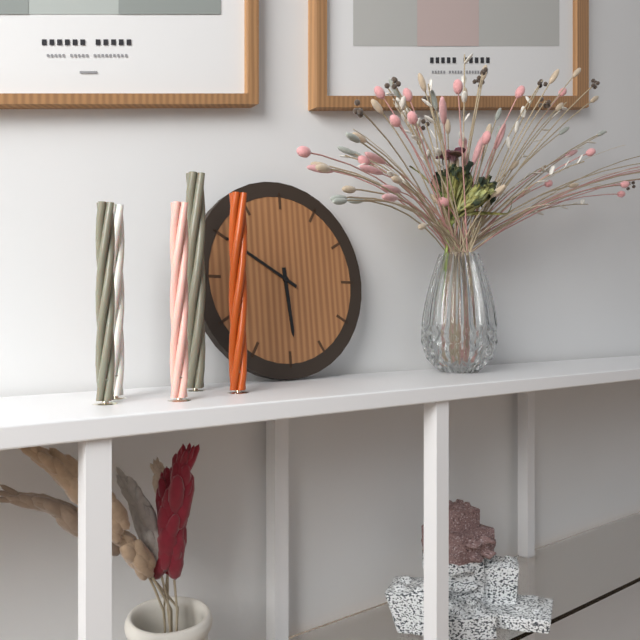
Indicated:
h=5 m=50
